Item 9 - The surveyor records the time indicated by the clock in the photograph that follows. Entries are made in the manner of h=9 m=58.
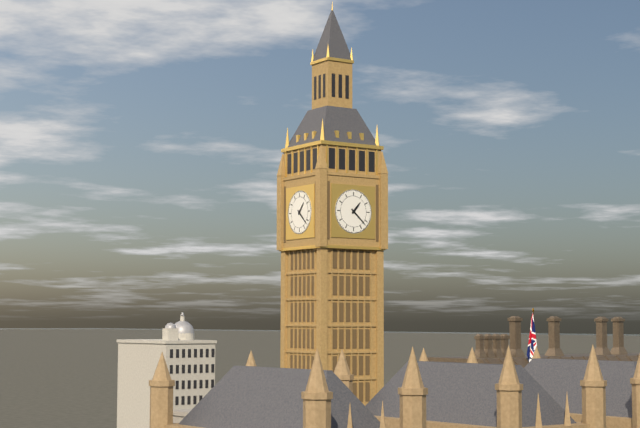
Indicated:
h=1 m=22
